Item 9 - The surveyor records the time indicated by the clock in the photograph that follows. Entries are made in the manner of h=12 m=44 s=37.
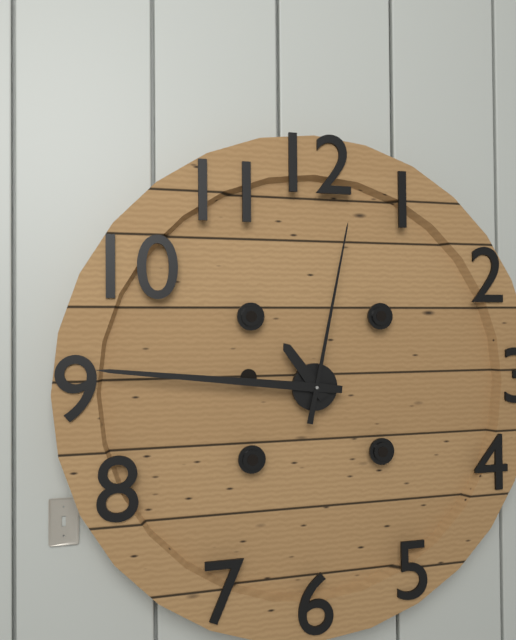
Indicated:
h=10 m=46 s=2
